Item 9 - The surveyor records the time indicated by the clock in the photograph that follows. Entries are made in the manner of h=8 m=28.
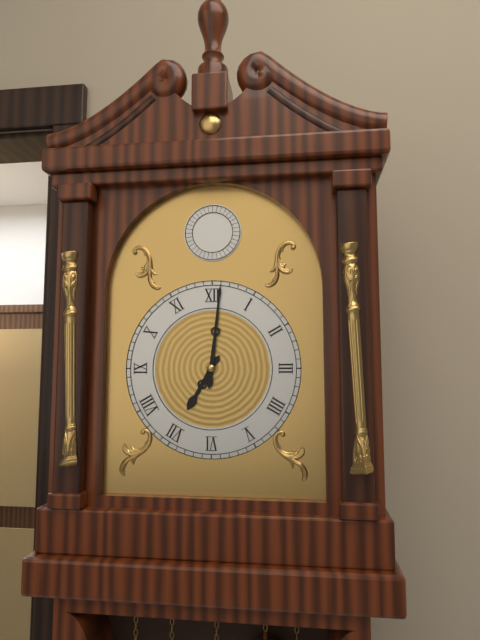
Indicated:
h=7 m=1
